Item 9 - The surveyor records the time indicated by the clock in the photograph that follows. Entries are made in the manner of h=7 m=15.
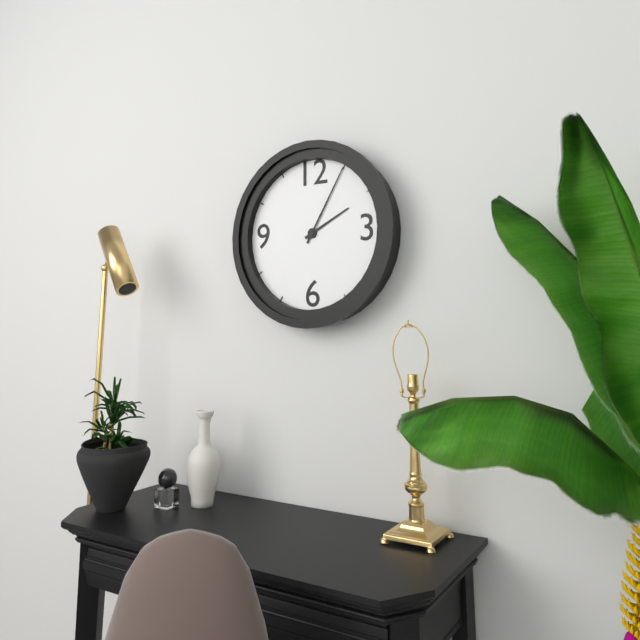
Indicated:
h=2 m=5
